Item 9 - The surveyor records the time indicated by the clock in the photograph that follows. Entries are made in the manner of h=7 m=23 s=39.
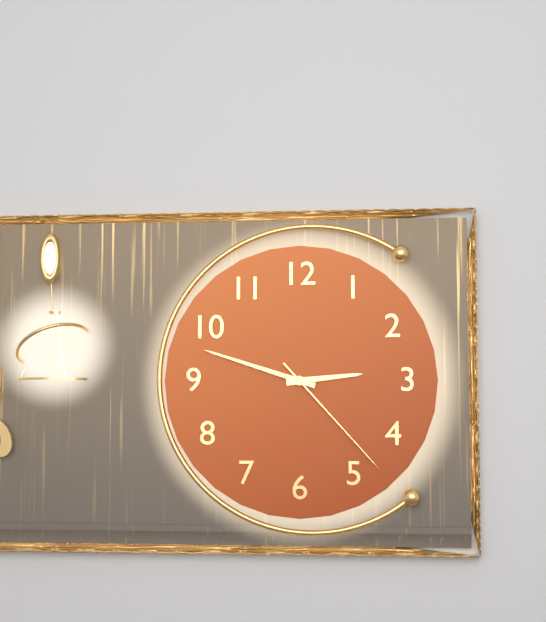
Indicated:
h=2 m=48 s=23
